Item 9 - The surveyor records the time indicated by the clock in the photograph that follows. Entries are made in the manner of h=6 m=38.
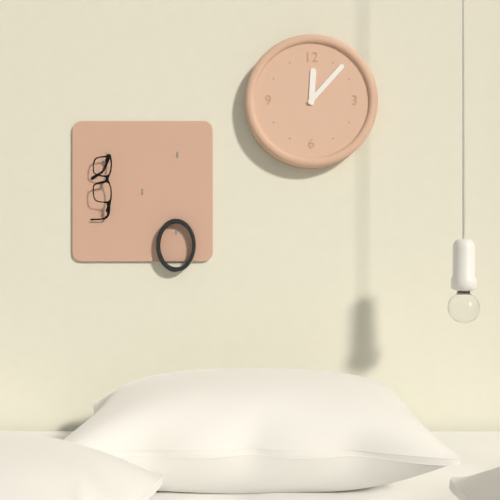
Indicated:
h=12 m=7
